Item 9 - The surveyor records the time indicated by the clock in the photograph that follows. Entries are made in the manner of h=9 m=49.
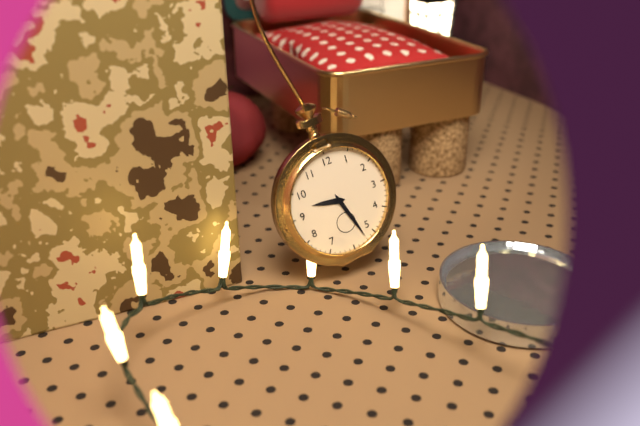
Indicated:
h=9 m=27
